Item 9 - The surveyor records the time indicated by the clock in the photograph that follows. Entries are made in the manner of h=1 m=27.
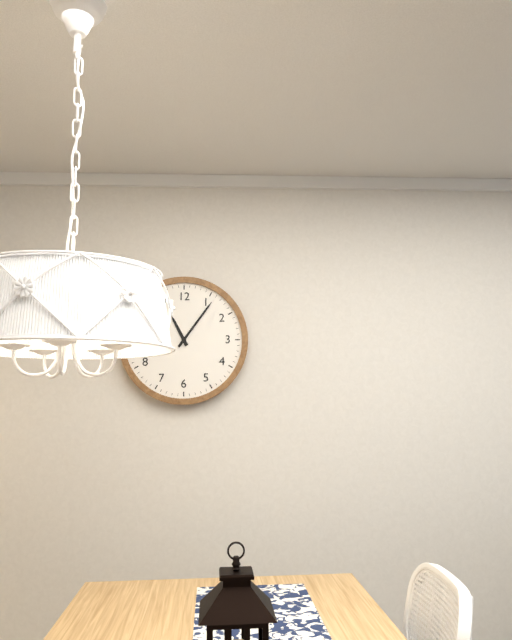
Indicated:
h=11 m=6
